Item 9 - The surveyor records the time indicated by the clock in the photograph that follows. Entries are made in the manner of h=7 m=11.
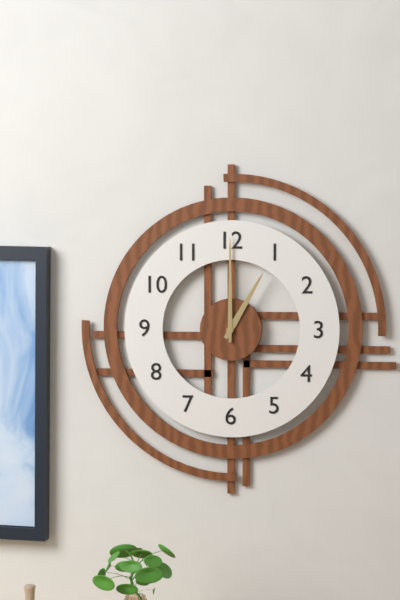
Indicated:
h=1 m=0
